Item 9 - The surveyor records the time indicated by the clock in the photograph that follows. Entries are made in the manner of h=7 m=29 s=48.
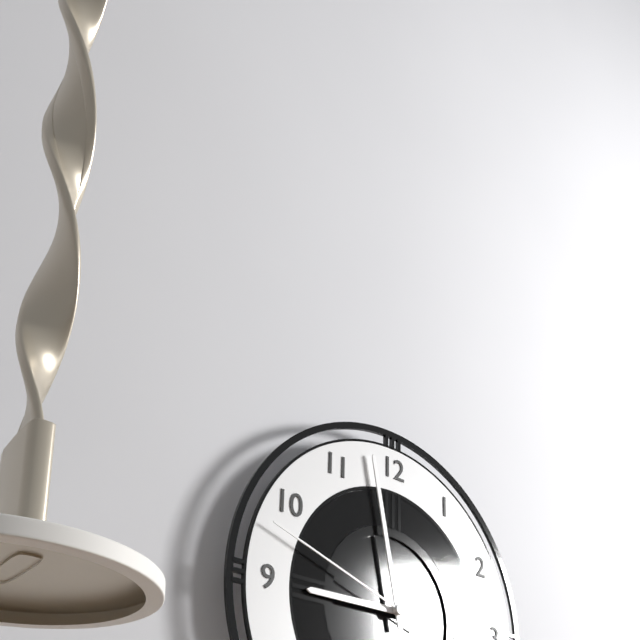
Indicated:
h=8 m=58 s=48
